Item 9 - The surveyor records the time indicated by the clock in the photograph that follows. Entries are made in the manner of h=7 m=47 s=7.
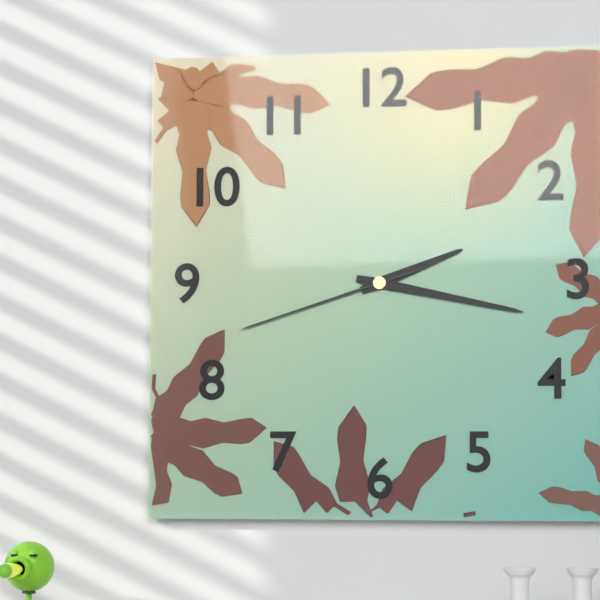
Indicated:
h=2 m=17 s=42
